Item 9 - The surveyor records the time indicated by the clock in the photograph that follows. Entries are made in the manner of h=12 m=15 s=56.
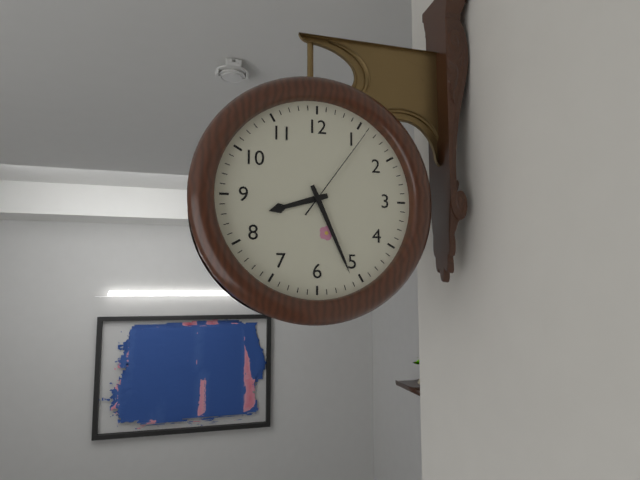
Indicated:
h=8 m=26 s=6
